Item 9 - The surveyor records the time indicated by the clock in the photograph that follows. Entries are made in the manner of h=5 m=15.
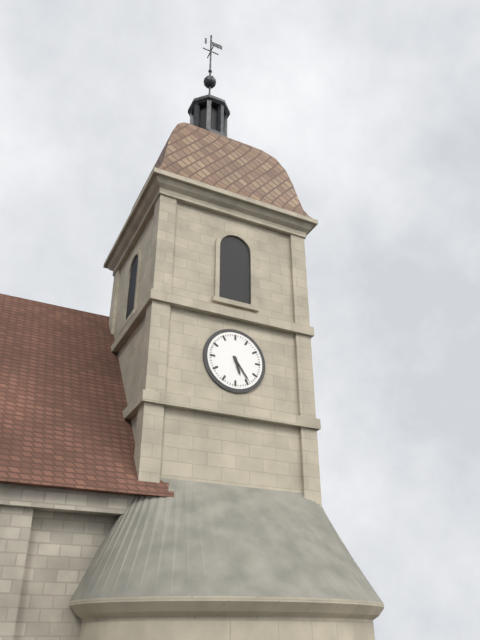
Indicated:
h=5 m=24
